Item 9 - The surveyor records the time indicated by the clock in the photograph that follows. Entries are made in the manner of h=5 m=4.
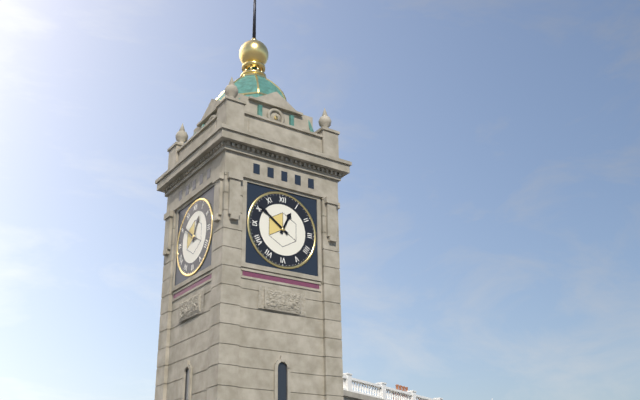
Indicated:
h=12 m=51
